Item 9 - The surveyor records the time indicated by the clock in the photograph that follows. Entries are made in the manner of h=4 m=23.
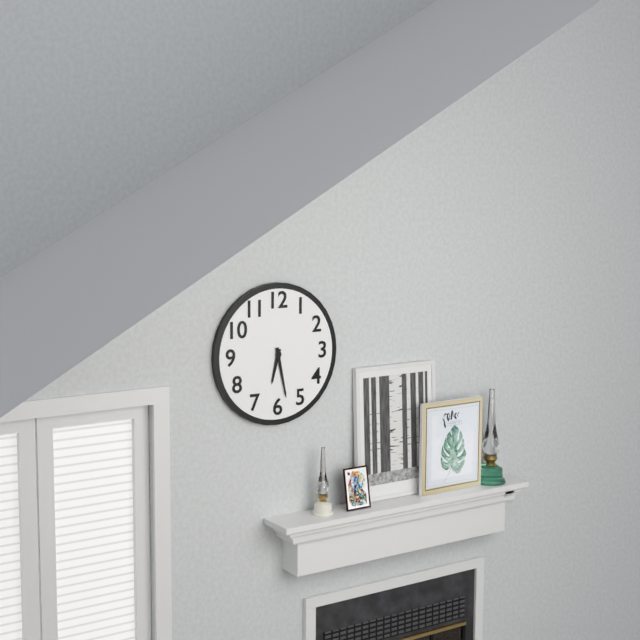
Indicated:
h=6 m=28
